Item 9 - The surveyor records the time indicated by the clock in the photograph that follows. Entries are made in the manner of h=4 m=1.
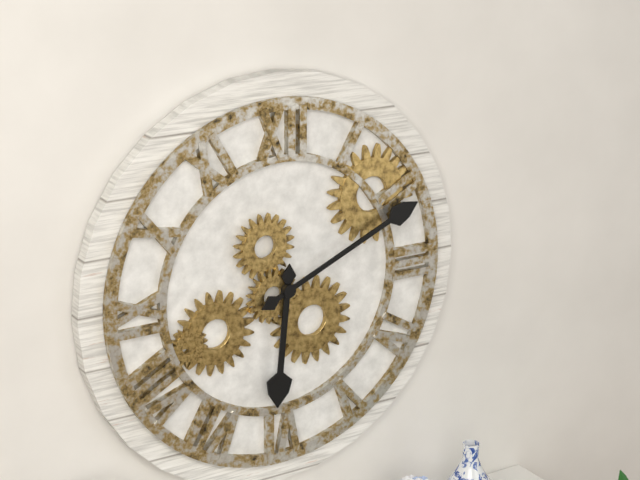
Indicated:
h=6 m=11
